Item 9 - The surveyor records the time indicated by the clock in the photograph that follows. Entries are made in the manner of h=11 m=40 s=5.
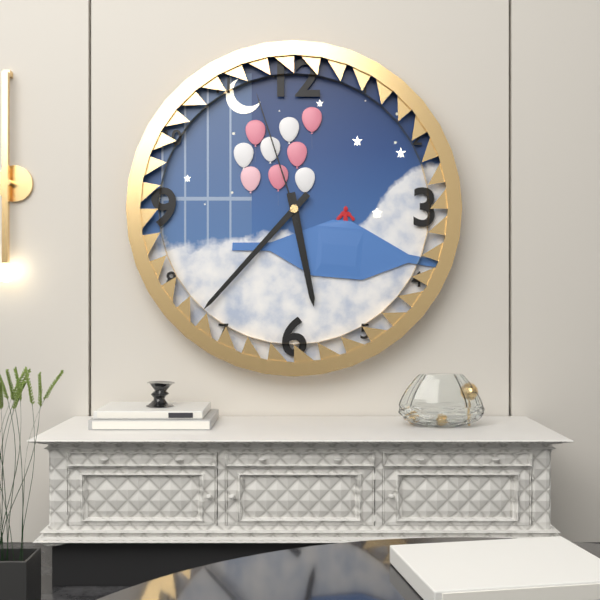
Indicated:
h=5 m=37 s=57
